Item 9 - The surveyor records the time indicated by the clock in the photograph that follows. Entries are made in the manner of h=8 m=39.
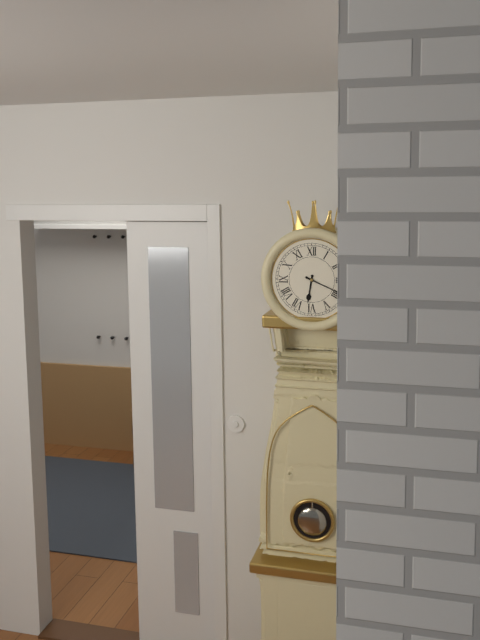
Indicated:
h=6 m=19
